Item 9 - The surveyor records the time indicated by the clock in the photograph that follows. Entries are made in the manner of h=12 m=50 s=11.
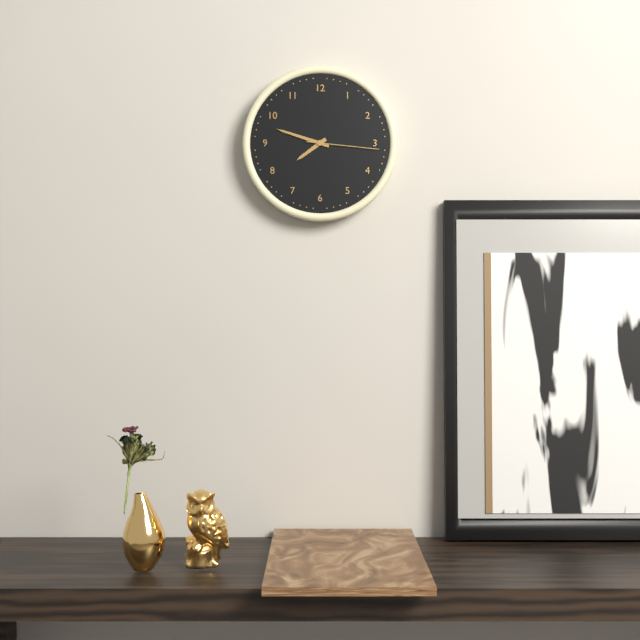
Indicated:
h=7 m=48 s=16
